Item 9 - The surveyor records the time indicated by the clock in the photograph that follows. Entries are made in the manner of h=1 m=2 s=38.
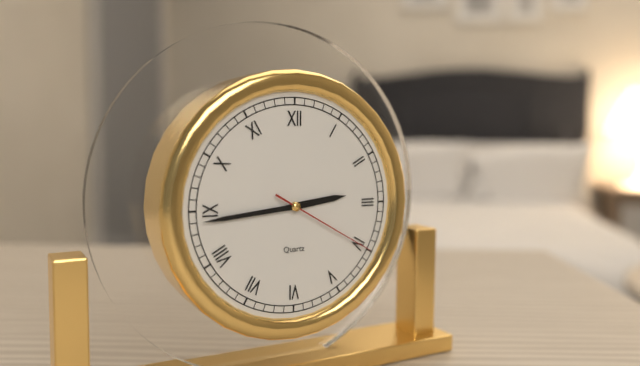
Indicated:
h=2 m=44 s=20
